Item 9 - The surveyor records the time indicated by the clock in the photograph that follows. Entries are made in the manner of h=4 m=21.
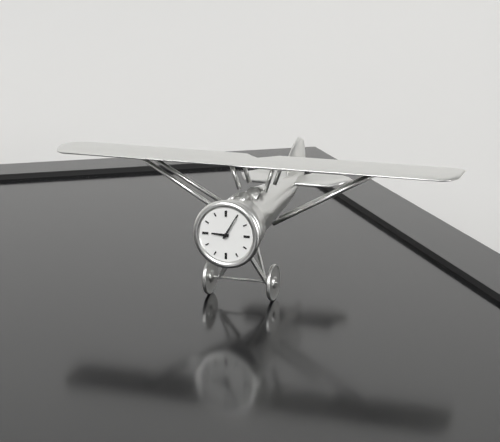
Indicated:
h=9 m=5
